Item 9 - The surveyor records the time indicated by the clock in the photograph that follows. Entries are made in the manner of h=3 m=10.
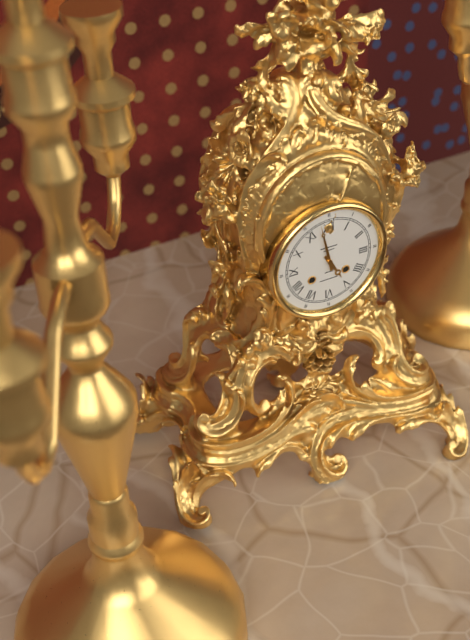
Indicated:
h=4 m=58
